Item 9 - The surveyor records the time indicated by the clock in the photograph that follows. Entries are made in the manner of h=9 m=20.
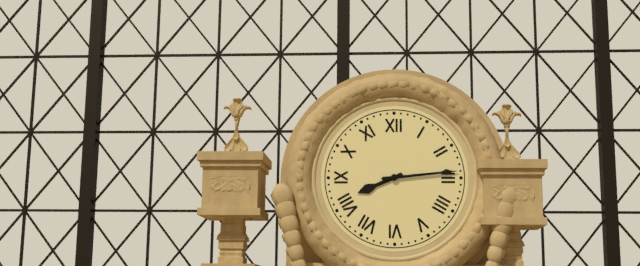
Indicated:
h=8 m=14
